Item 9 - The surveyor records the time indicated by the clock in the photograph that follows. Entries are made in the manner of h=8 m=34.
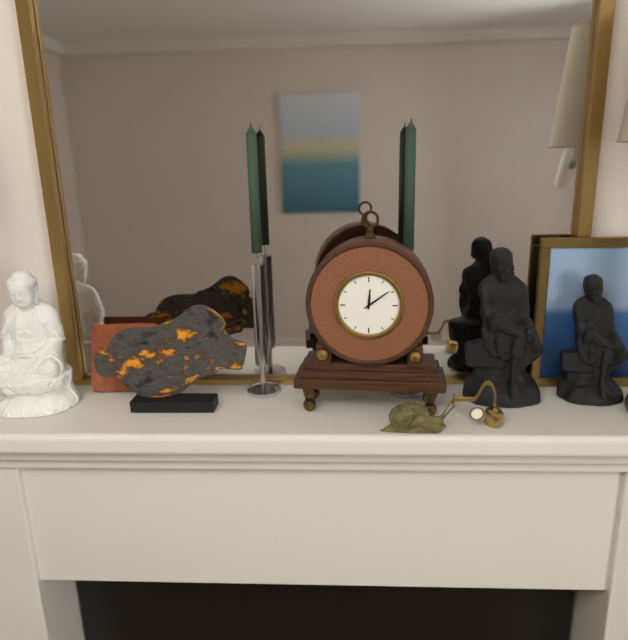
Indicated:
h=12 m=9
